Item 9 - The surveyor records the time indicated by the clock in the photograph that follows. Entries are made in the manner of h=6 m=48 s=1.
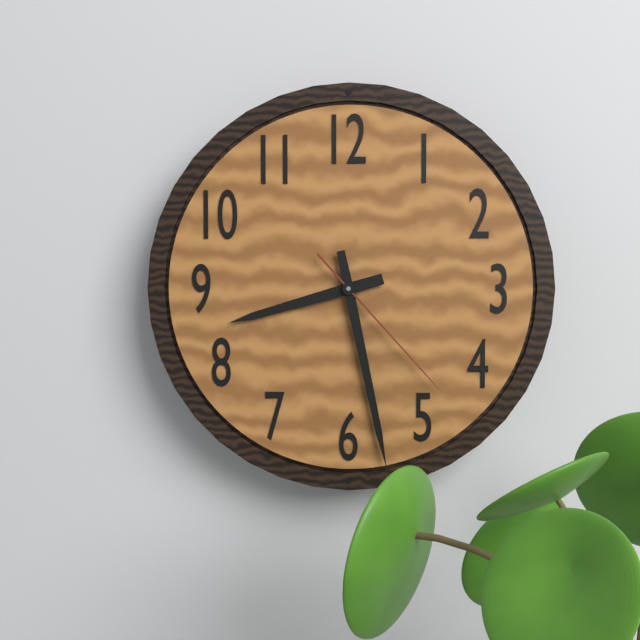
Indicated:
h=8 m=28 s=23
